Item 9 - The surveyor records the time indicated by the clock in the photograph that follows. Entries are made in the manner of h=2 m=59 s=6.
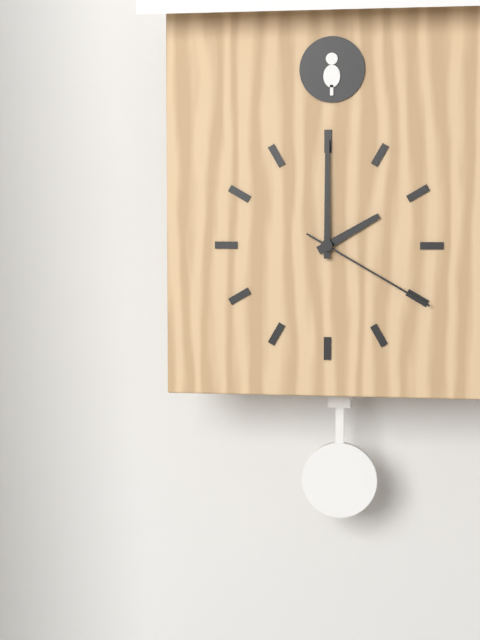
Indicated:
h=2 m=0 s=20
